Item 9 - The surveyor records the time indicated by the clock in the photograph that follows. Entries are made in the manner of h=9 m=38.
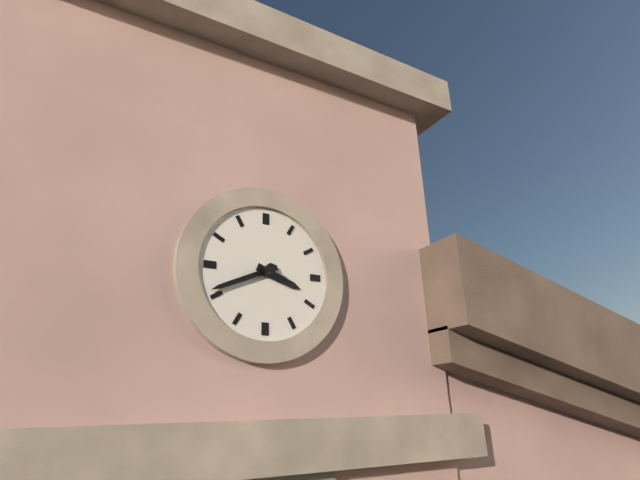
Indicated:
h=3 m=41
